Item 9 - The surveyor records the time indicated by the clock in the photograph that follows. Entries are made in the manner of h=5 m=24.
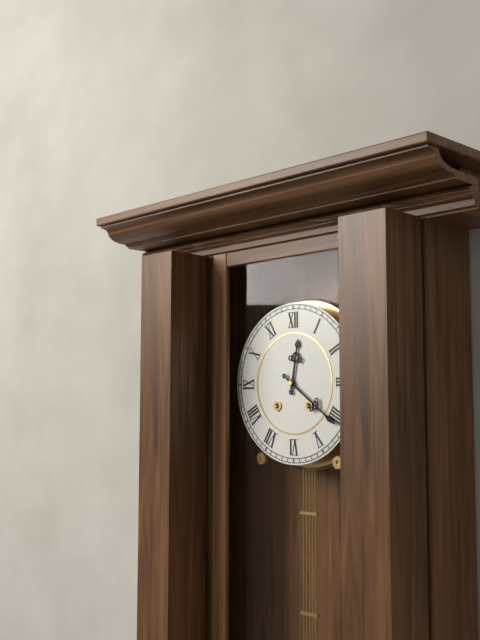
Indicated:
h=12 m=21
